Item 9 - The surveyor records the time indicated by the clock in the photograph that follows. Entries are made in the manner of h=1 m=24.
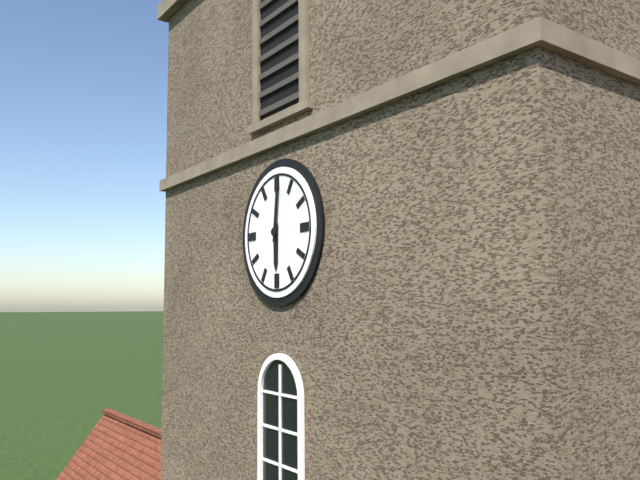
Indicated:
h=6 m=1
